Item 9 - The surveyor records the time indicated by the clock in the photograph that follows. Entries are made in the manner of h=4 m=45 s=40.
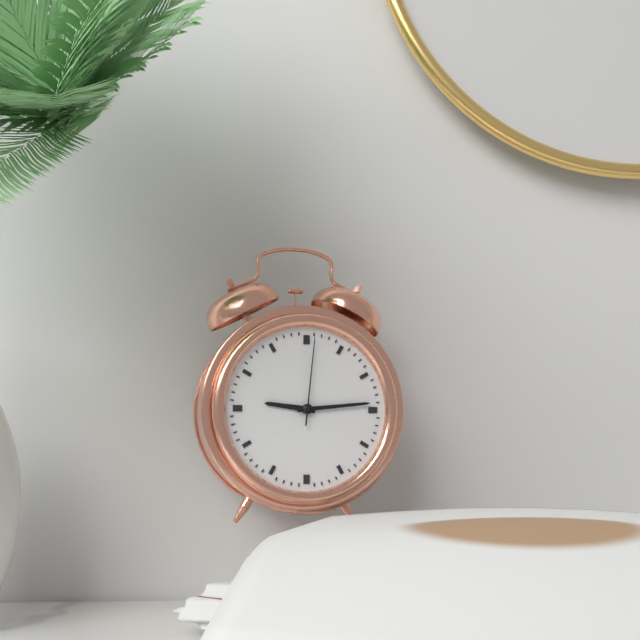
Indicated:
h=9 m=14 s=1
